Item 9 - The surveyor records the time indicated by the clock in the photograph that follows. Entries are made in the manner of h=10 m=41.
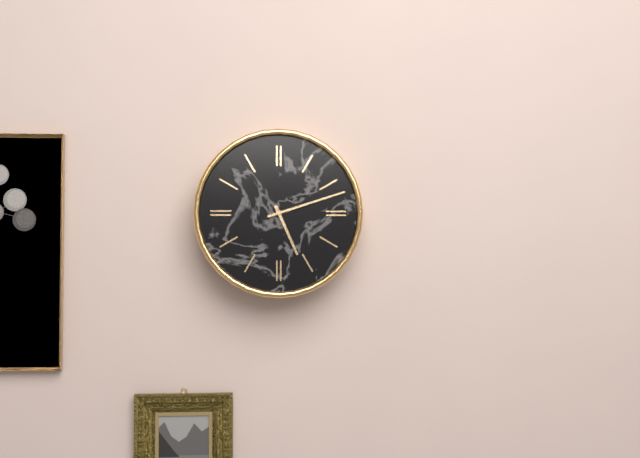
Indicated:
h=5 m=12
